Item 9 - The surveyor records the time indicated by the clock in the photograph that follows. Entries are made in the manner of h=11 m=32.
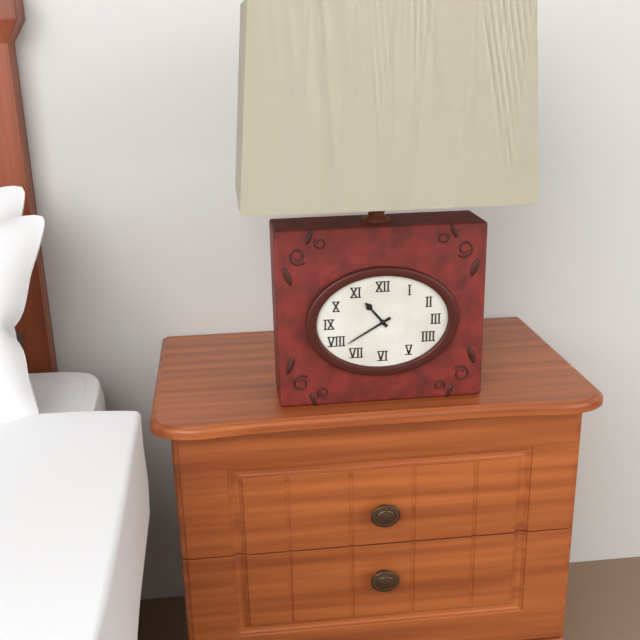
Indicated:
h=10 m=40
